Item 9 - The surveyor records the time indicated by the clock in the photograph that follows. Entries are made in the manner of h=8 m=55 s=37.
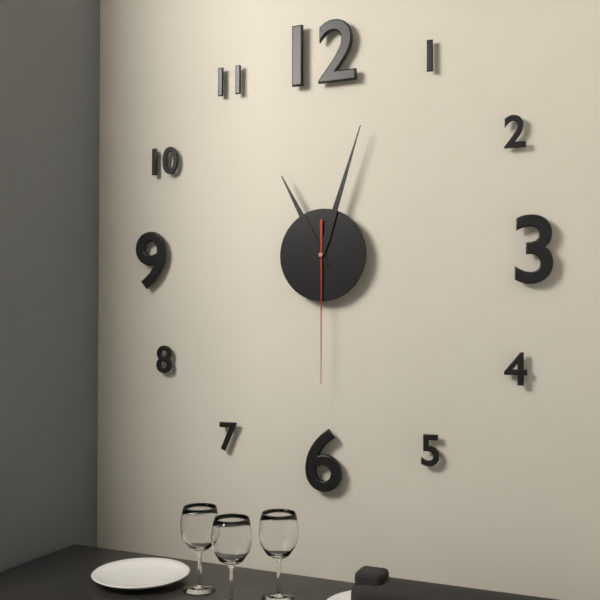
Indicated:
h=11 m=3 s=30
